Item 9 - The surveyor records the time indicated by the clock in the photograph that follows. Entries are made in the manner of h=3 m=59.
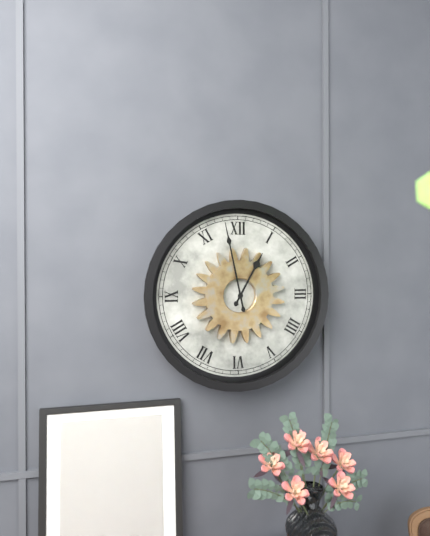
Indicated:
h=12 m=58
